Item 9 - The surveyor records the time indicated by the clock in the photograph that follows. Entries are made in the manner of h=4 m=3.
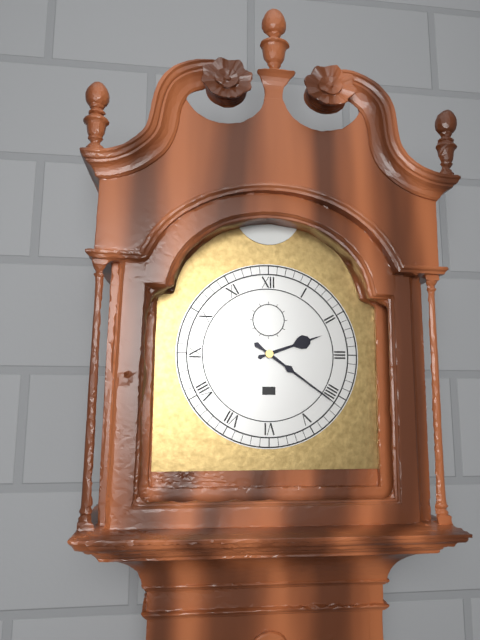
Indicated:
h=2 m=21
